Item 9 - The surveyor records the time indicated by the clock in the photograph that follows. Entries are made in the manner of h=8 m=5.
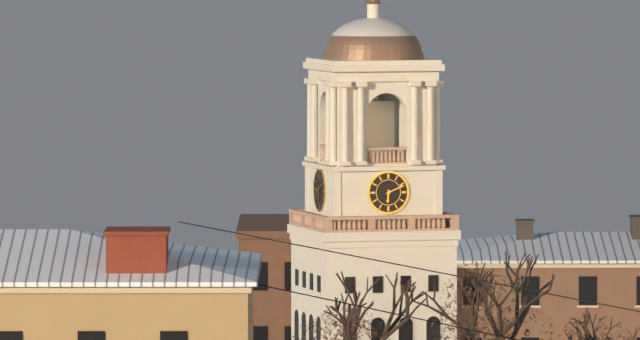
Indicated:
h=6 m=11
